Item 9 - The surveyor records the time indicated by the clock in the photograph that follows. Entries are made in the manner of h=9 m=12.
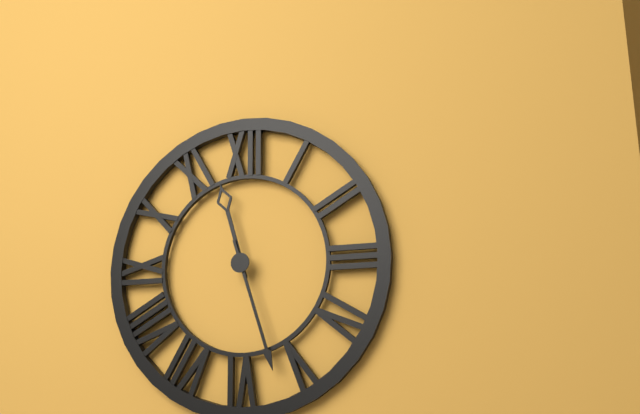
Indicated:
h=11 m=27
